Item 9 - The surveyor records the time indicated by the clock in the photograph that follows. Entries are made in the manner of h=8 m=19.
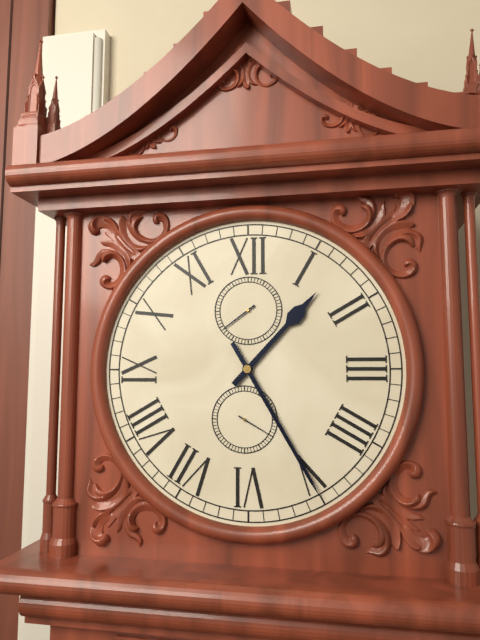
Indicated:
h=1 m=25
